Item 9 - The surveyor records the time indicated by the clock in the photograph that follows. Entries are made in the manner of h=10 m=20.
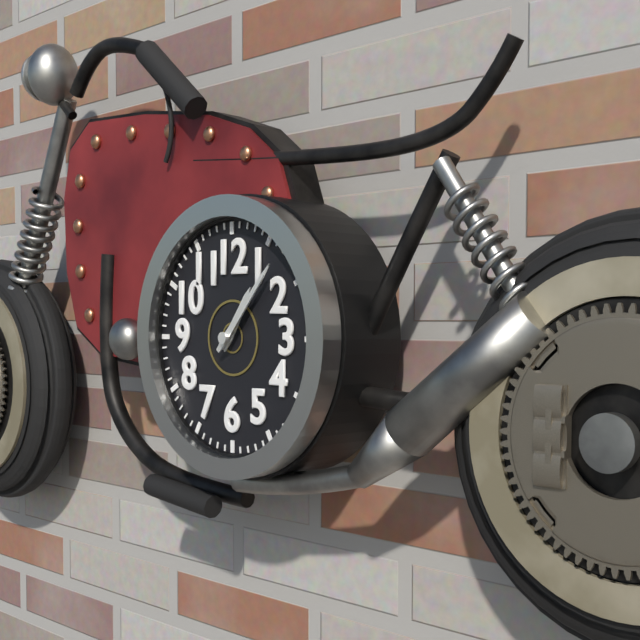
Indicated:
h=1 m=7
